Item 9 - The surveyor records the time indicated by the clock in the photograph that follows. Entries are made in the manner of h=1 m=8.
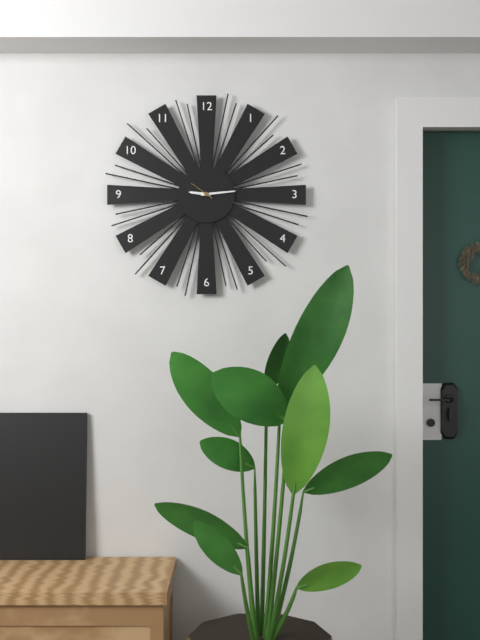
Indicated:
h=9 m=14
